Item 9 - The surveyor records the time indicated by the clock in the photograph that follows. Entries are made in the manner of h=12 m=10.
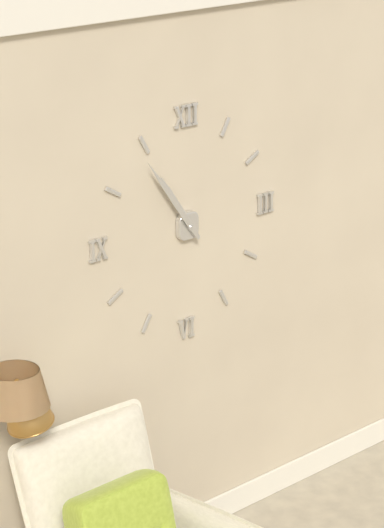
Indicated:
h=10 m=54
